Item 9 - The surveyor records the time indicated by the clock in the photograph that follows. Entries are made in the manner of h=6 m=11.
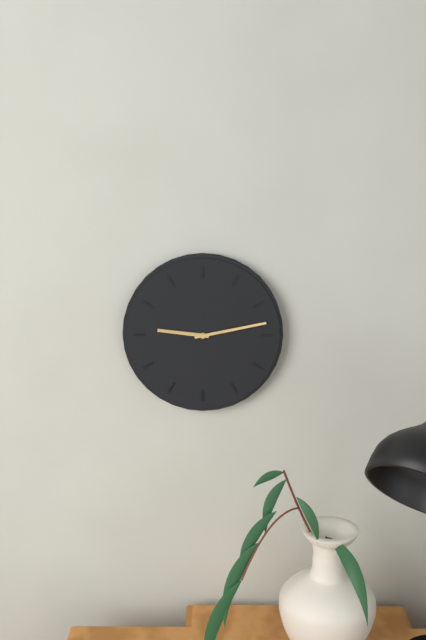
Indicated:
h=9 m=13
